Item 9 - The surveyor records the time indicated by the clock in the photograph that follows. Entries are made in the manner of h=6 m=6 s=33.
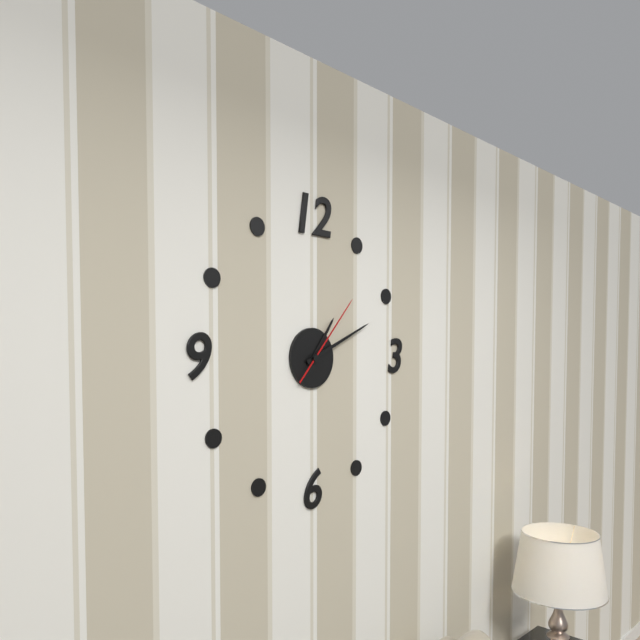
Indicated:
h=1 m=11 s=7
